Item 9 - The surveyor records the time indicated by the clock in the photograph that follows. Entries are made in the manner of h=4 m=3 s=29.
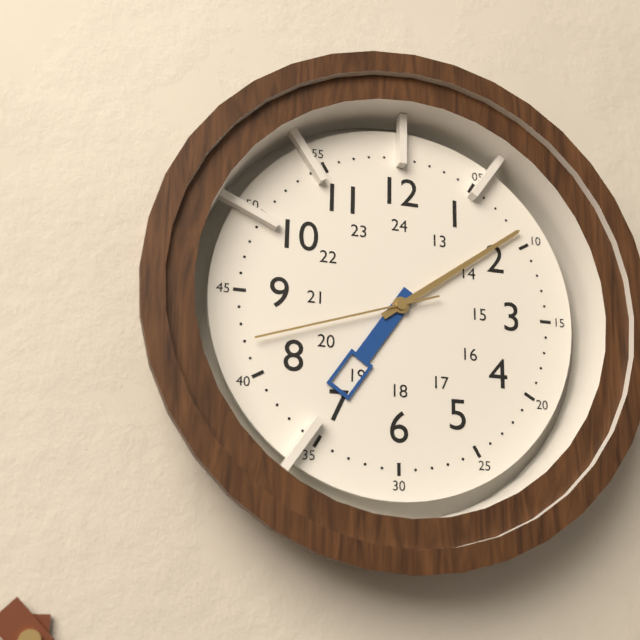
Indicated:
h=7 m=9 s=42
